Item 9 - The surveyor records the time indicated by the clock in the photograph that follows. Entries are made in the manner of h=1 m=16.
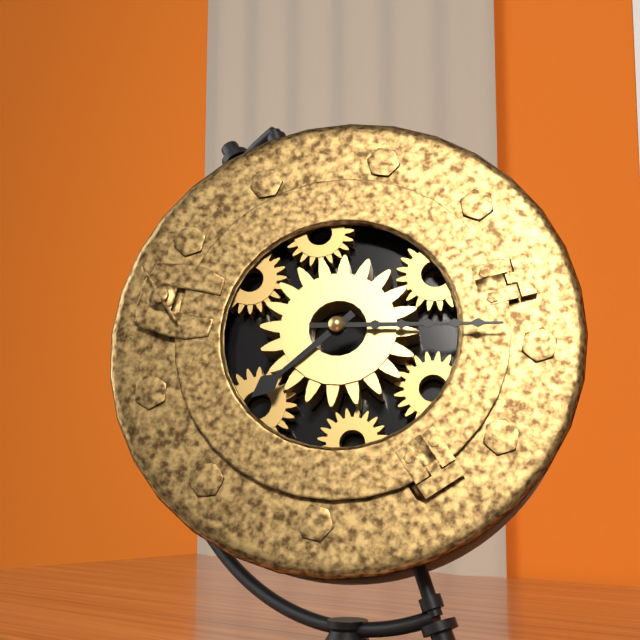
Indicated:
h=7 m=13
